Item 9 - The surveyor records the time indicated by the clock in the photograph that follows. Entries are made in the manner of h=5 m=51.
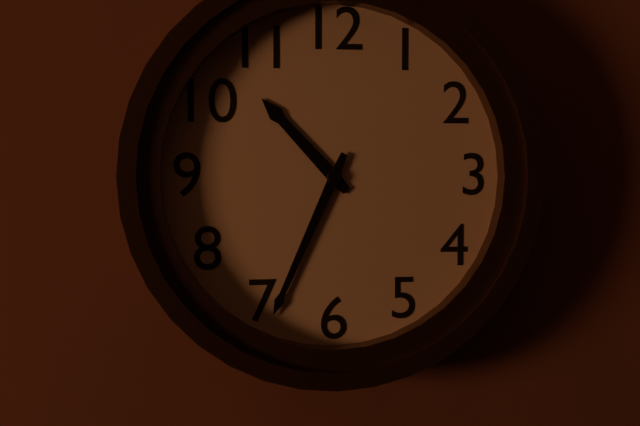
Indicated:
h=10 m=34
